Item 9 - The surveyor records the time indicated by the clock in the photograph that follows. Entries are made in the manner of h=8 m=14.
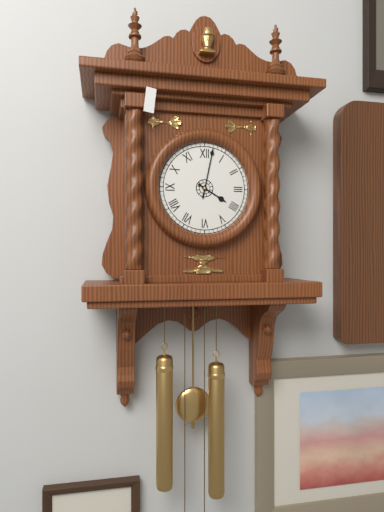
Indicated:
h=4 m=2
